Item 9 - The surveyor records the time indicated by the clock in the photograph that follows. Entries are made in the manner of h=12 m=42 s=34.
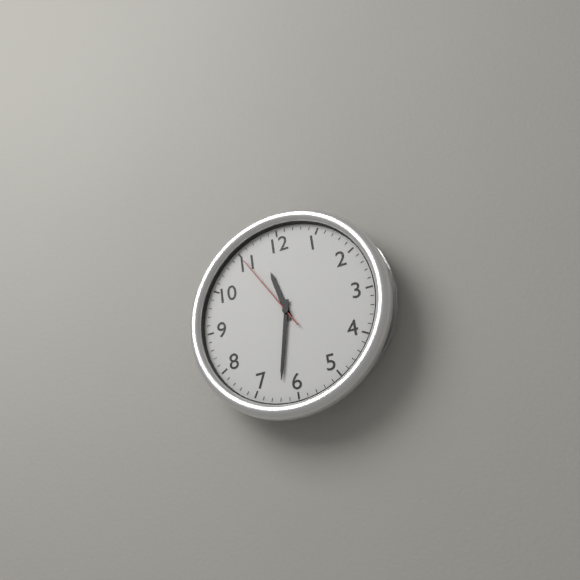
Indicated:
h=11 m=32 s=55
